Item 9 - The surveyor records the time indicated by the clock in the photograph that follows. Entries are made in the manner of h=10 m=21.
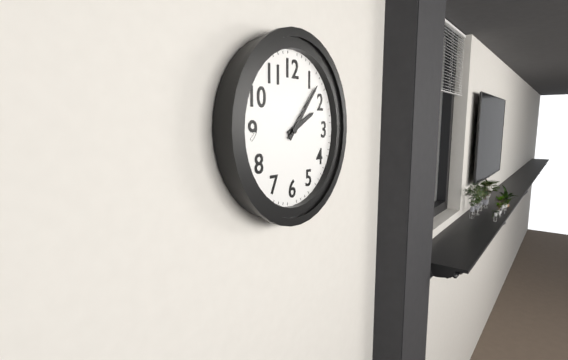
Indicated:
h=2 m=7
